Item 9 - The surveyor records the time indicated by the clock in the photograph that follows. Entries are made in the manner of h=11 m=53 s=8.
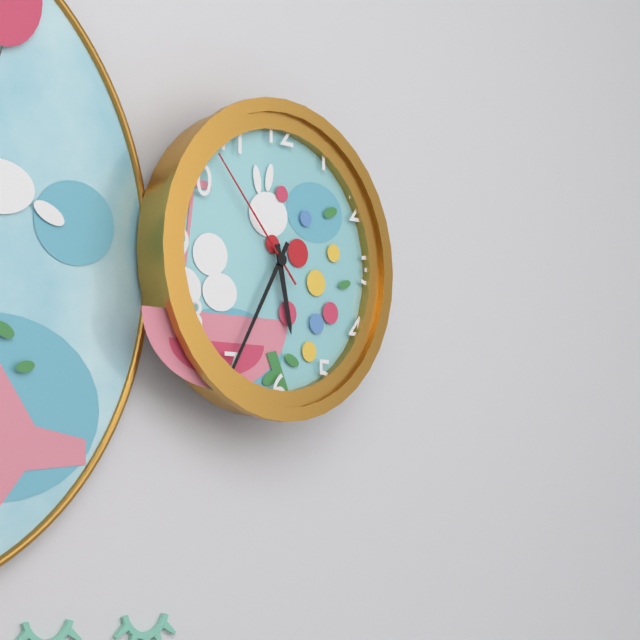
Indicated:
h=5 m=35 s=53
